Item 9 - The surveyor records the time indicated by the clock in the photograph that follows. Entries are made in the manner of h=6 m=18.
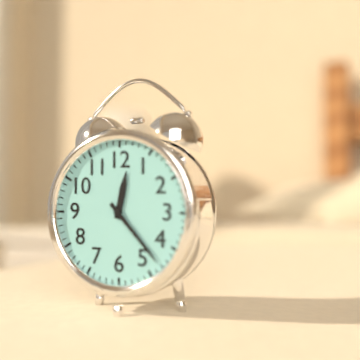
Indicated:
h=12 m=23
